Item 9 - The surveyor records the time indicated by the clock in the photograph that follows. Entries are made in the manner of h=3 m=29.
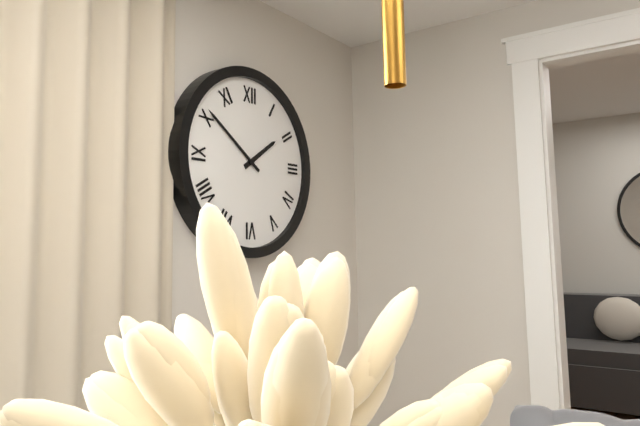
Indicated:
h=1 m=51
